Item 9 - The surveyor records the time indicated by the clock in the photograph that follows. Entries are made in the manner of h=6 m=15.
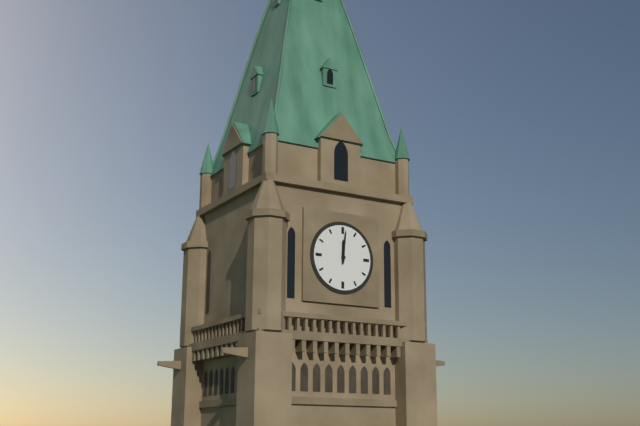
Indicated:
h=12 m=1
